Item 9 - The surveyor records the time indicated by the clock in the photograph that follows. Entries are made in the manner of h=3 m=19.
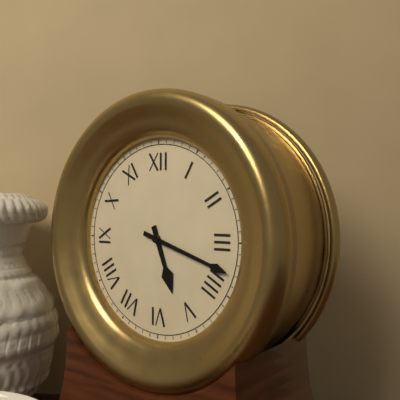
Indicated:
h=5 m=18
